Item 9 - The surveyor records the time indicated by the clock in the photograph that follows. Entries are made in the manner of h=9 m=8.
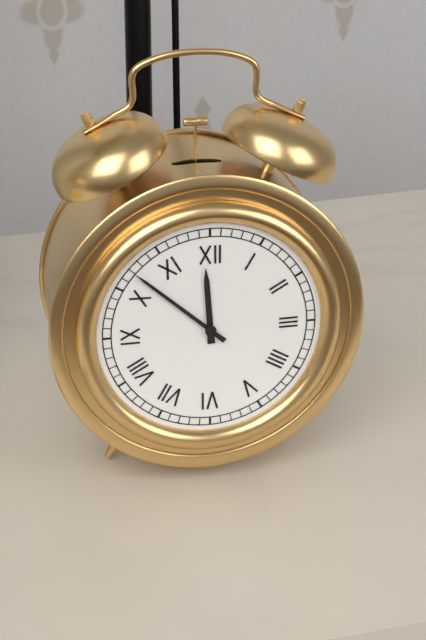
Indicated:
h=11 m=52
